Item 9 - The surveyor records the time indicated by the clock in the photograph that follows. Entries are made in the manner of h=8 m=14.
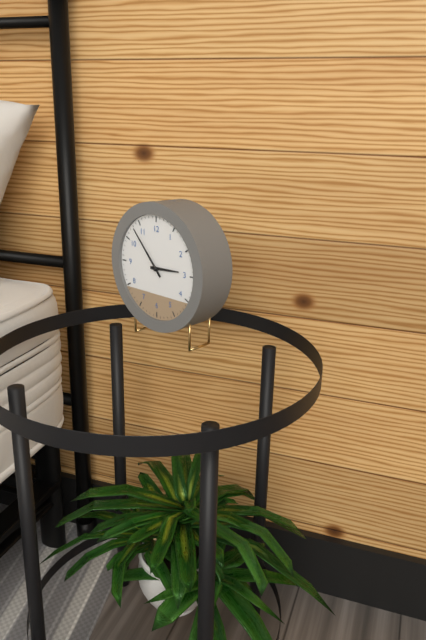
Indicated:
h=2 m=53
